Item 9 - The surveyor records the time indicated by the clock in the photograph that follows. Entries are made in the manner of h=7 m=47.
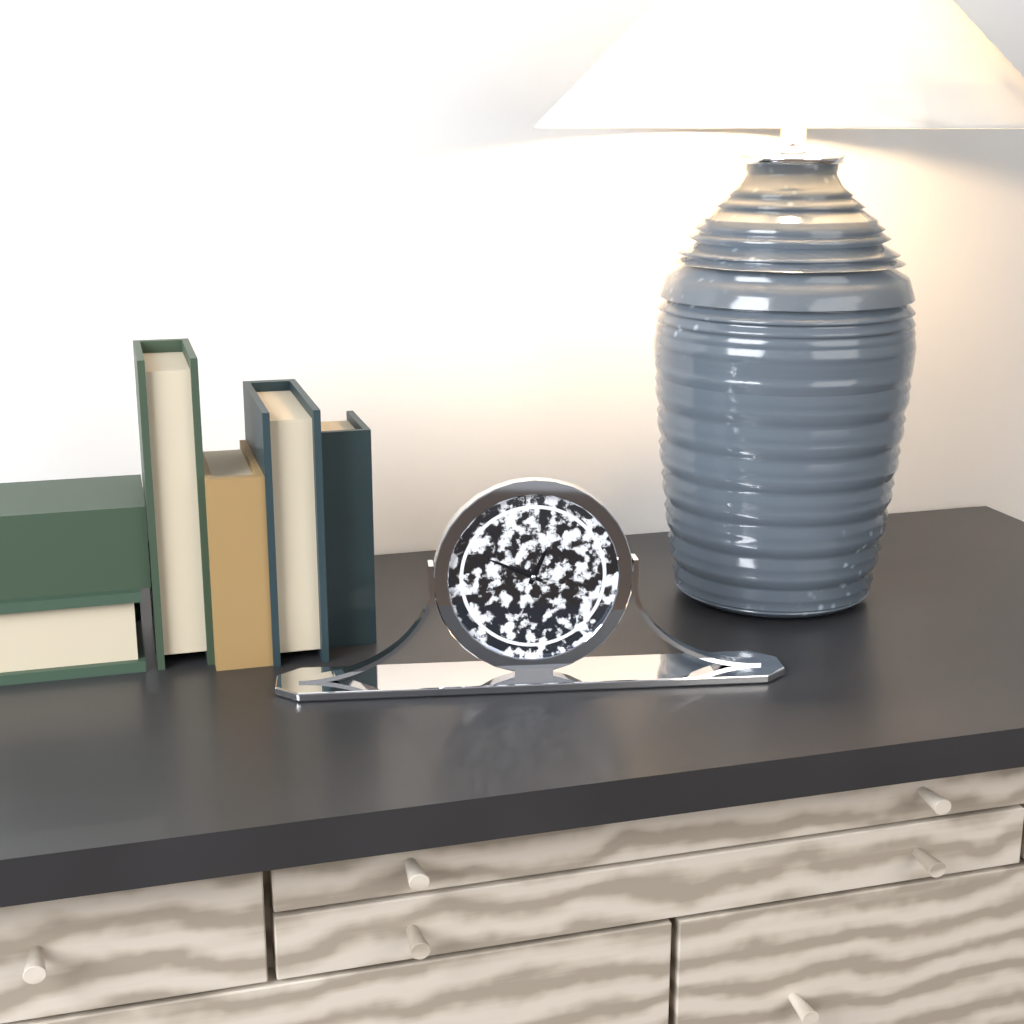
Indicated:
h=12 m=49
